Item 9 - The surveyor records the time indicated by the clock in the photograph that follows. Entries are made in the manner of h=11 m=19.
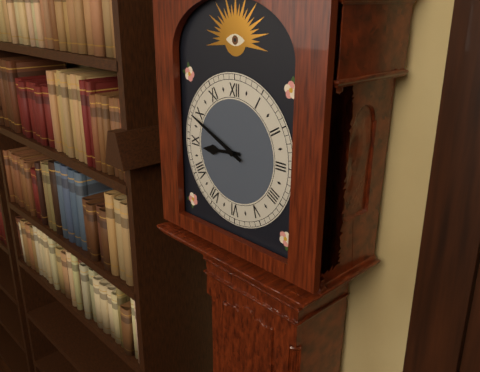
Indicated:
h=8 m=49
